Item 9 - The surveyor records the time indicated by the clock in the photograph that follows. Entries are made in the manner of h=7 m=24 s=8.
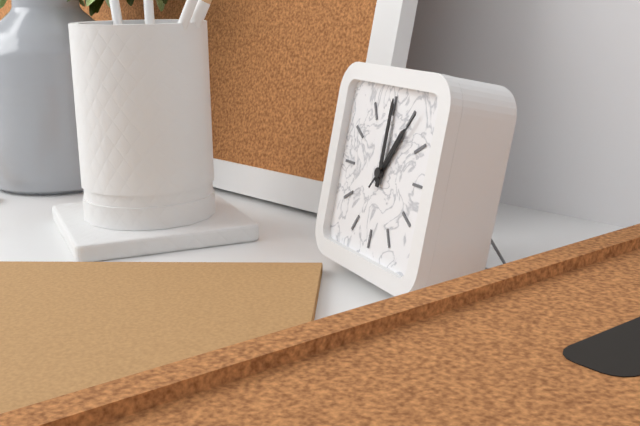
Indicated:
h=1 m=0 s=6
